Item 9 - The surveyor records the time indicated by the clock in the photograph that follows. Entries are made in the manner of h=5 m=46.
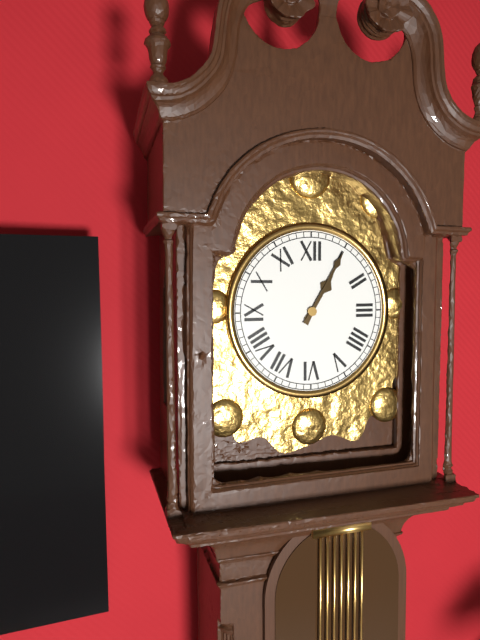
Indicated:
h=1 m=5
